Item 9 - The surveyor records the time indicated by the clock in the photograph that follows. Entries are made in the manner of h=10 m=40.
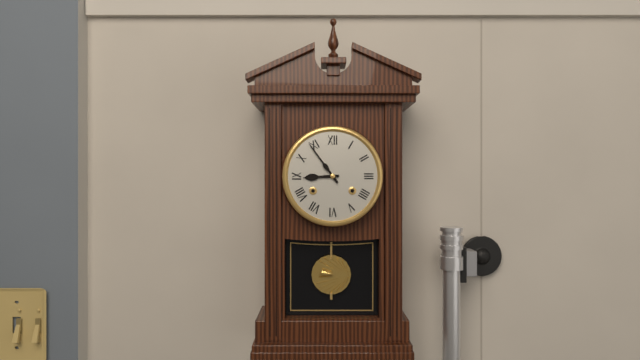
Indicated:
h=8 m=54
